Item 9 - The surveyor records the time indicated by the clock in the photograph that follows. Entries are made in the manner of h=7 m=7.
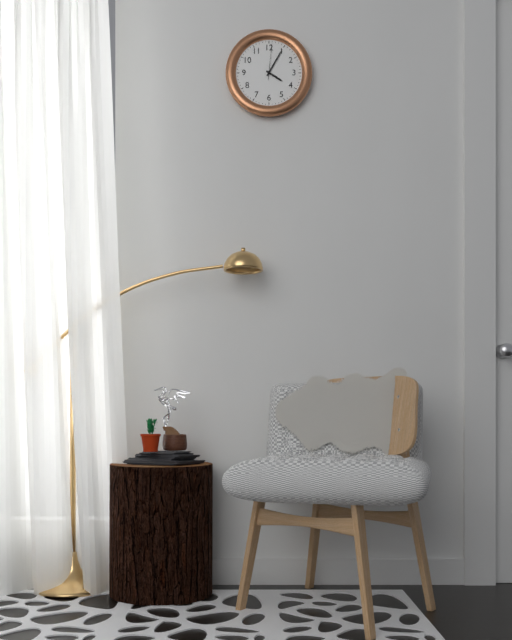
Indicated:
h=4 m=5
